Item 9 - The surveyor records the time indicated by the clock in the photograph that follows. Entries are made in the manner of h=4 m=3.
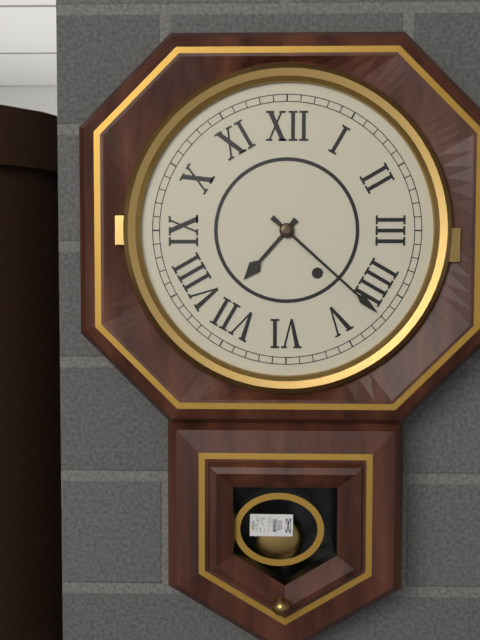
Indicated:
h=7 m=22
